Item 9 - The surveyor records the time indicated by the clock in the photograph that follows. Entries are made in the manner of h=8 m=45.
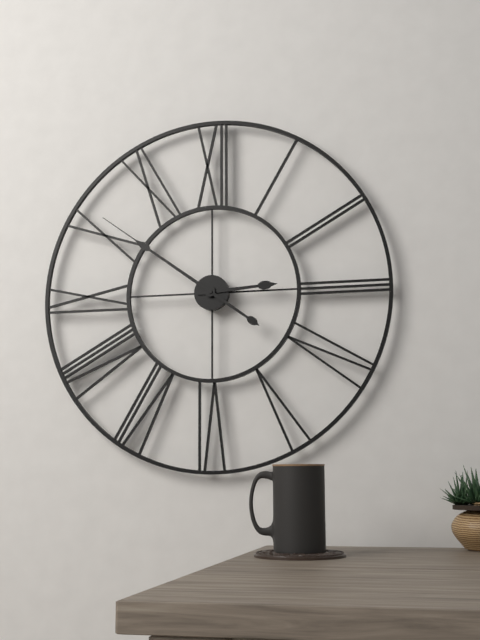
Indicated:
h=2 m=51
